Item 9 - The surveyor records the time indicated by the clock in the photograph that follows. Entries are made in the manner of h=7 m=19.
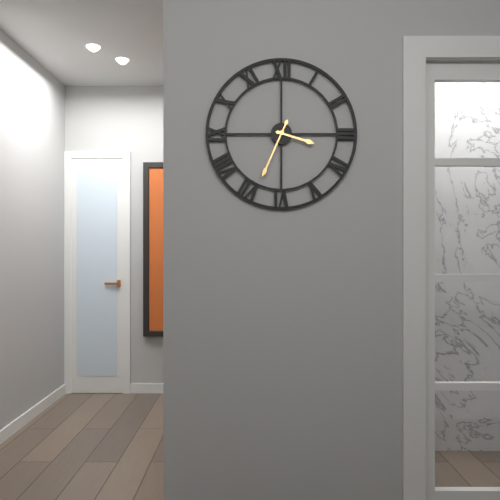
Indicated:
h=3 m=34
